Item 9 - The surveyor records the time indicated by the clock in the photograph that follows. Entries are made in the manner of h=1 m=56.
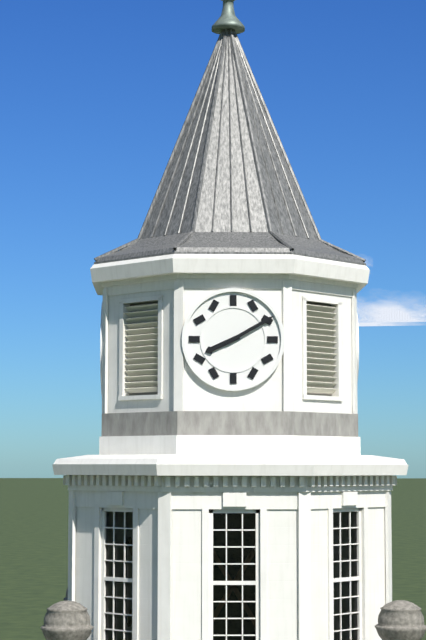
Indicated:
h=8 m=10
